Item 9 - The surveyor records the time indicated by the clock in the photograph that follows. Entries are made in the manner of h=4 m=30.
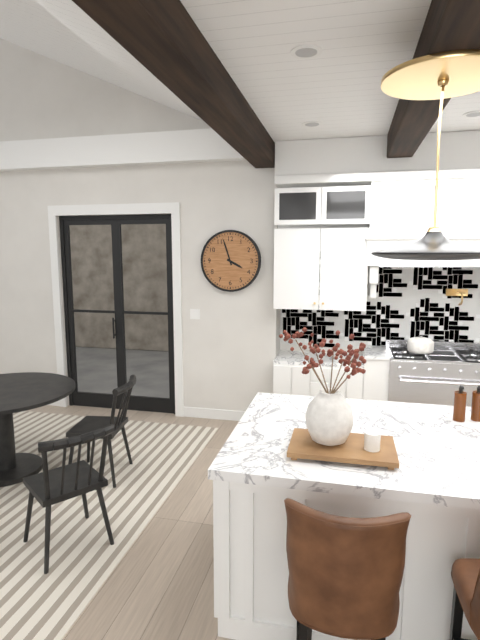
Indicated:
h=3 m=57
